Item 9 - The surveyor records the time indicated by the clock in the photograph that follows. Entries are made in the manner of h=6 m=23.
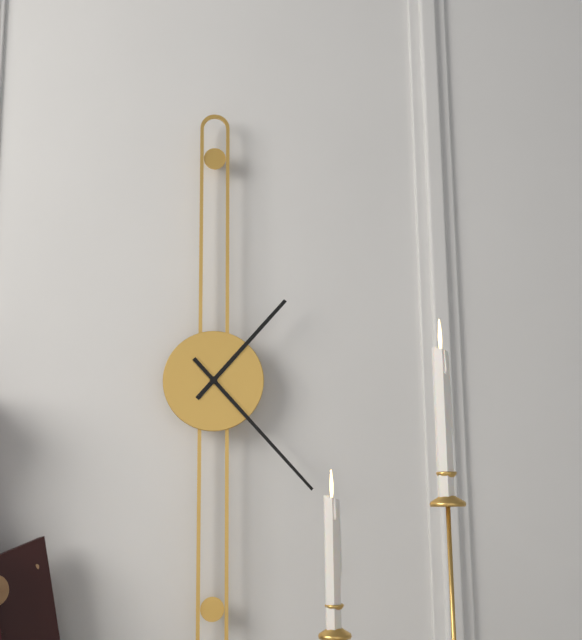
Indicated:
h=1 m=23
